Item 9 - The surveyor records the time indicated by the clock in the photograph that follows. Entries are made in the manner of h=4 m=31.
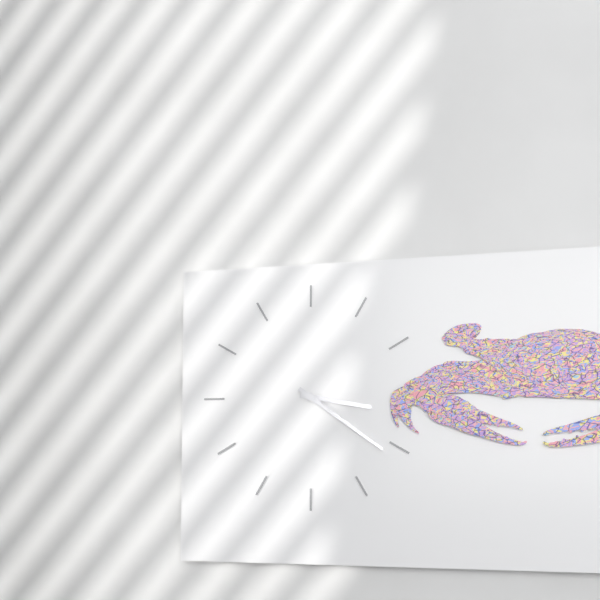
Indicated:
h=3 m=21
